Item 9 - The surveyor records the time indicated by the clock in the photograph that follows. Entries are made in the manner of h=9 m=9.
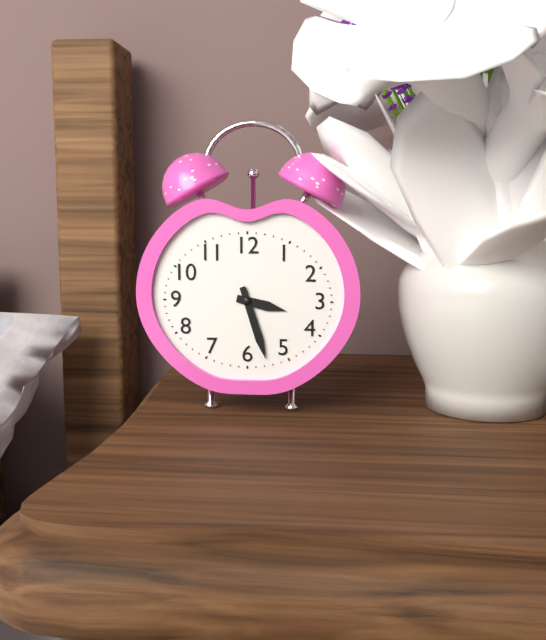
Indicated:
h=3 m=27
